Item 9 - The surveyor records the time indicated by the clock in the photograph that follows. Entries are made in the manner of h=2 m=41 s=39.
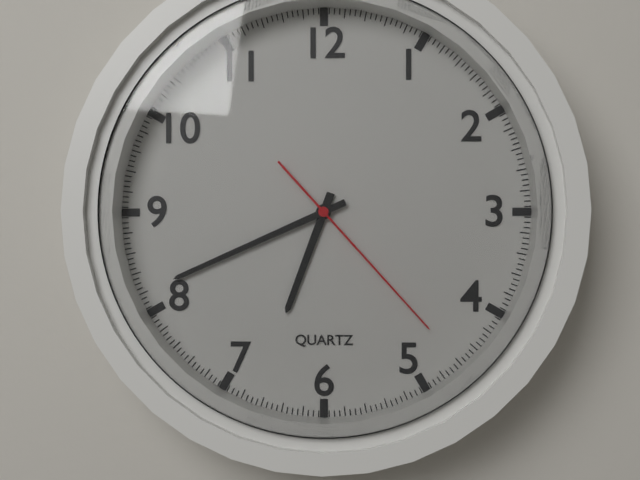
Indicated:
h=6 m=41 s=23
